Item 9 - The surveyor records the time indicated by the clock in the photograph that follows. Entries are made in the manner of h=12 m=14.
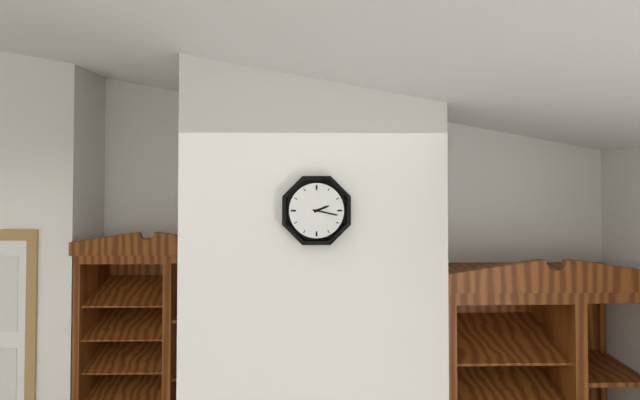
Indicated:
h=2 m=17
